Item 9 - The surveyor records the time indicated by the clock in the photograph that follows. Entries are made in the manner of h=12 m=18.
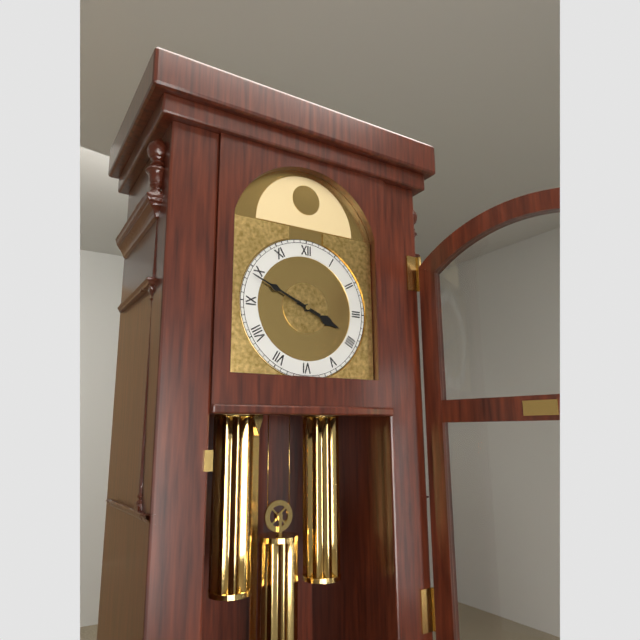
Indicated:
h=3 m=49
